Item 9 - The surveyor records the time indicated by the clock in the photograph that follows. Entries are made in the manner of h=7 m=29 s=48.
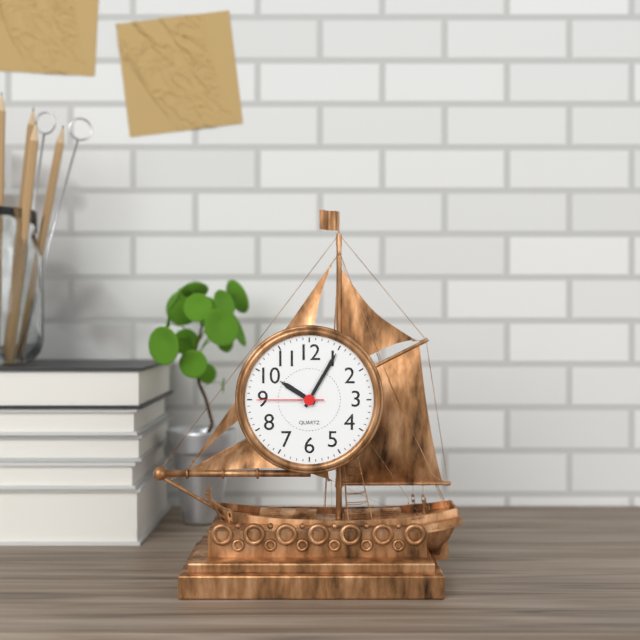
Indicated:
h=10 m=5 s=45
